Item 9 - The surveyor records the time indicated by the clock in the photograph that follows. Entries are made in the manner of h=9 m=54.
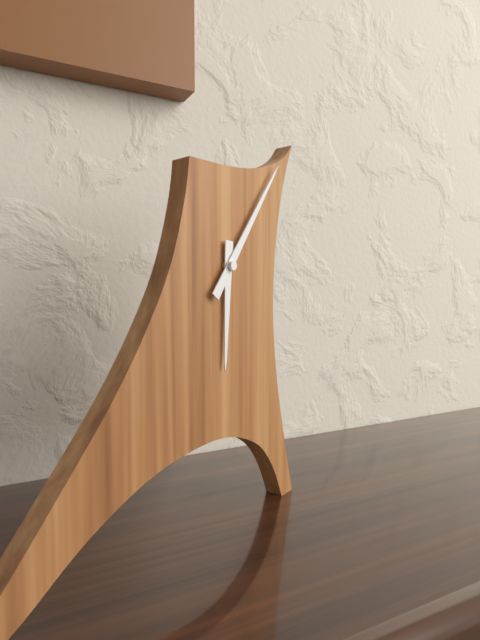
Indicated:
h=6 m=6
